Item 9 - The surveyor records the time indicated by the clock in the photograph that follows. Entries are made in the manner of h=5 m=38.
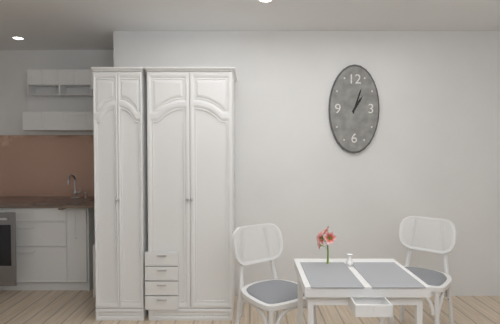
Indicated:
h=1 m=3
